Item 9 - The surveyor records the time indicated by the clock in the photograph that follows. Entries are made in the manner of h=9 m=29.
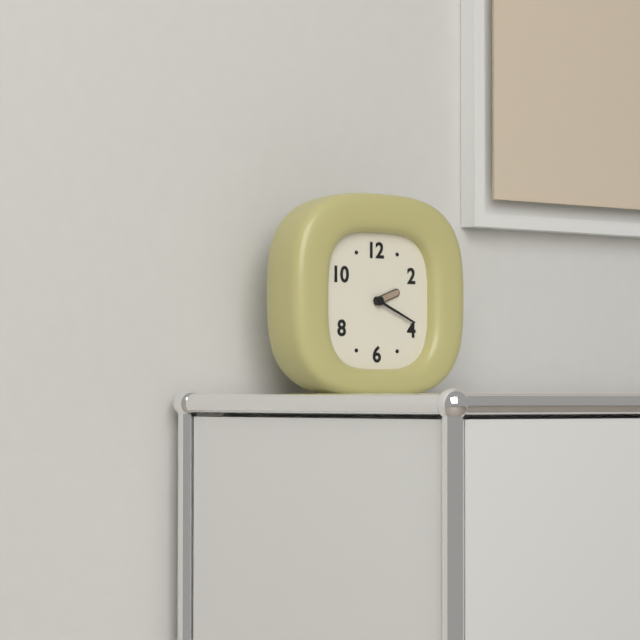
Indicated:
h=2 m=19
